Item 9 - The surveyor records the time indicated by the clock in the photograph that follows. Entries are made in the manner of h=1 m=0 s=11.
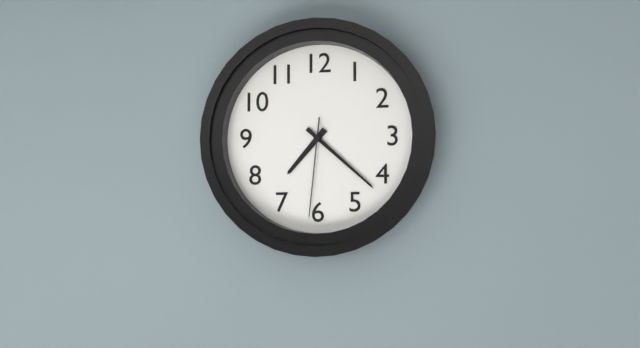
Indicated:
h=7 m=22 s=31
